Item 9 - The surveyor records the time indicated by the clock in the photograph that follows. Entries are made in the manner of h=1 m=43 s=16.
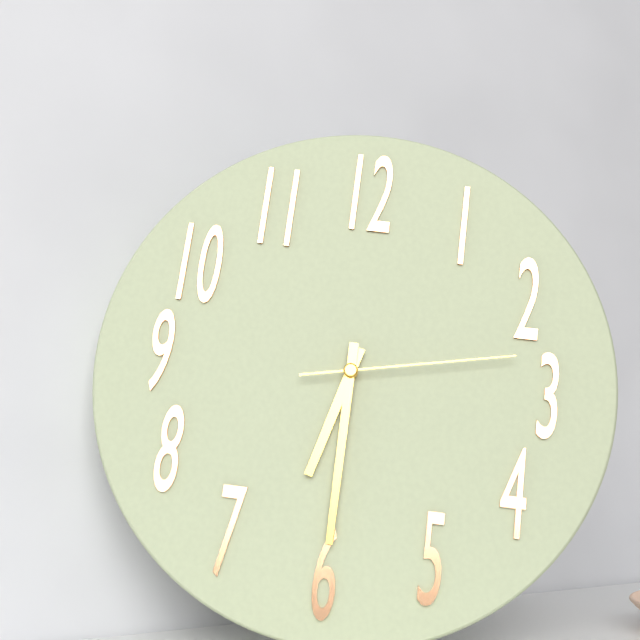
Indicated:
h=6 m=30 s=13
